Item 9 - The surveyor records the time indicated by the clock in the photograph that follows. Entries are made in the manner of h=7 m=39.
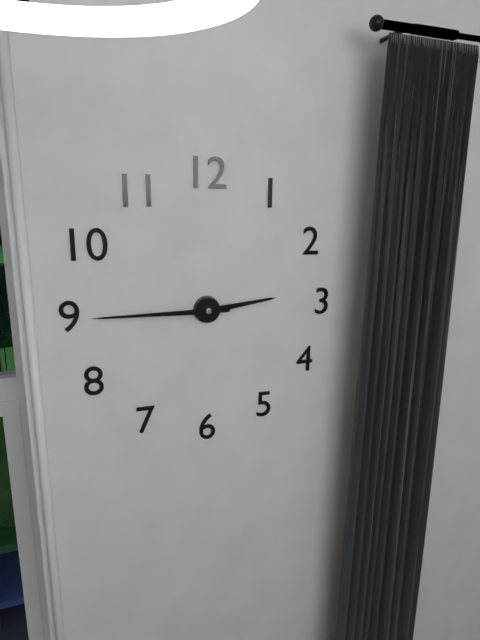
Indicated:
h=2 m=45
